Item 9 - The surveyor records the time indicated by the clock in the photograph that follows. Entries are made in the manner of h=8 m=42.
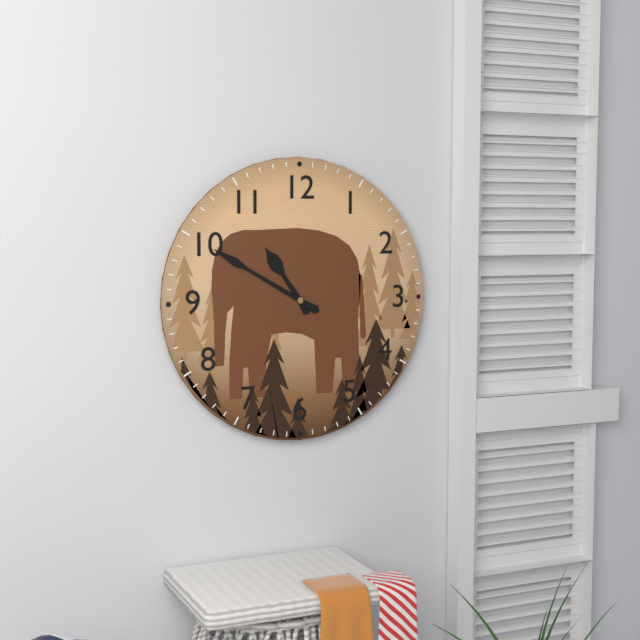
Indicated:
h=10 m=50
